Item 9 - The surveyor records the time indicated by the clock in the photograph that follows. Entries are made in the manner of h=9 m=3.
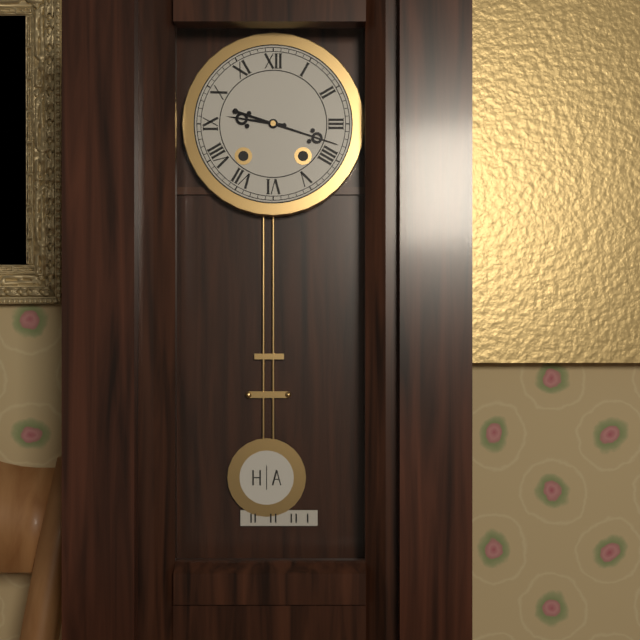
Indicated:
h=9 m=18
